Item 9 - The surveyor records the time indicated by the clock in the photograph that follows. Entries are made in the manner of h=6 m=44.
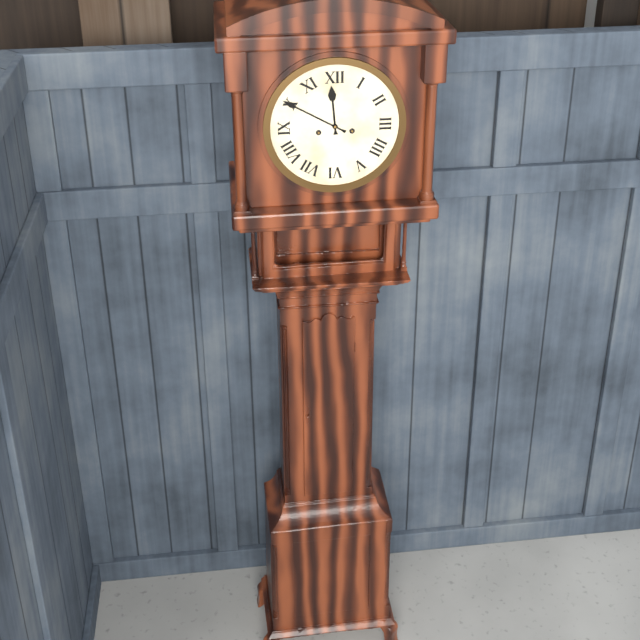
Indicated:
h=11 m=50
